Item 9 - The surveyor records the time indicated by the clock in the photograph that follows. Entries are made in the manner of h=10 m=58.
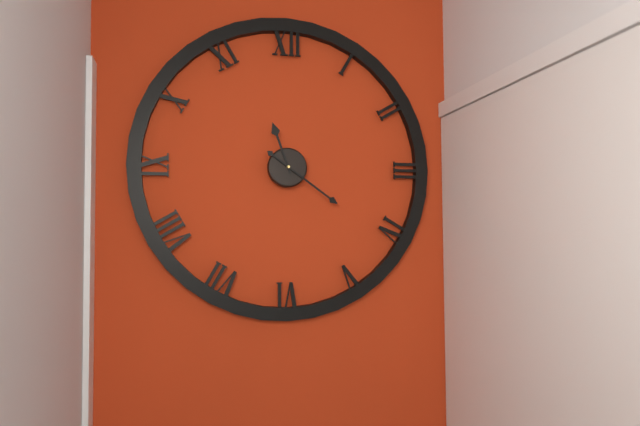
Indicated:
h=11 m=21
